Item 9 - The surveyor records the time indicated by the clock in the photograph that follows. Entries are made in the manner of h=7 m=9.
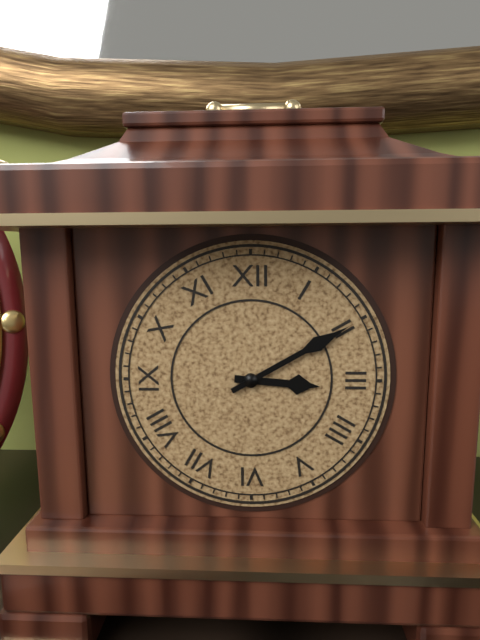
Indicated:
h=3 m=10
